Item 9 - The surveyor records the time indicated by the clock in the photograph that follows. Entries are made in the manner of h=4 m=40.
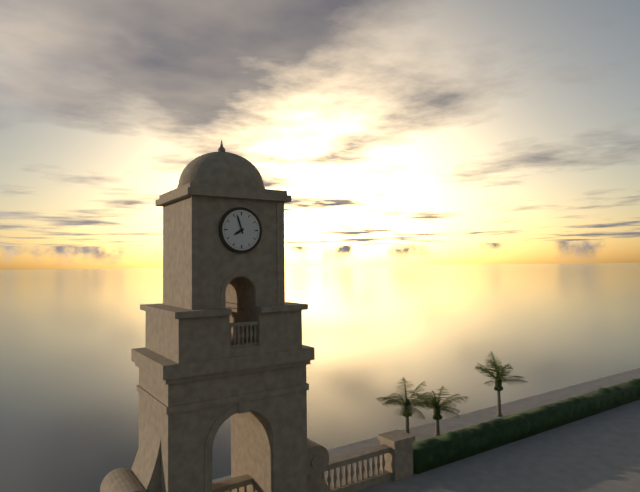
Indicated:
h=7 m=57
